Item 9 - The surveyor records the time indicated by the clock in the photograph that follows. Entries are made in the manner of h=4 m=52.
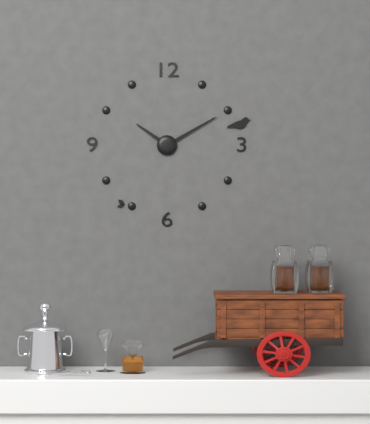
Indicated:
h=10 m=10
